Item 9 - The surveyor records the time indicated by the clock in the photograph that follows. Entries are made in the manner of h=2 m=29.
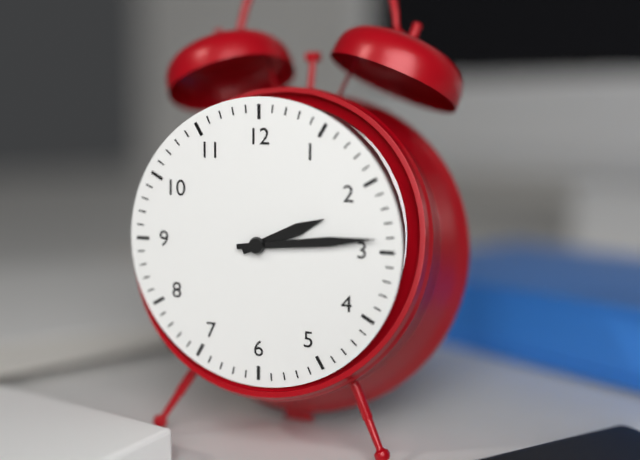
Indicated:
h=2 m=14
